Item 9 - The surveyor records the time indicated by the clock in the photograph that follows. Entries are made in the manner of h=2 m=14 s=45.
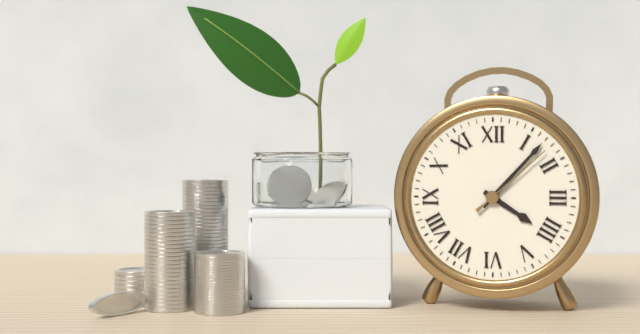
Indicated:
h=4 m=7 s=8
